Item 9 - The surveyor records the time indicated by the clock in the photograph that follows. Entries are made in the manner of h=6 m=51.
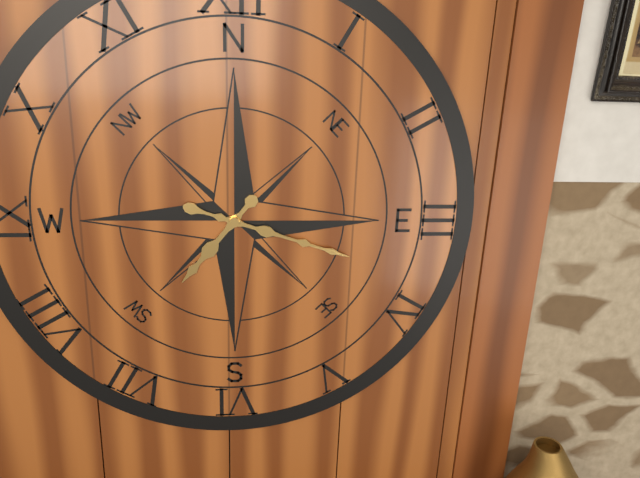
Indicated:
h=7 m=18
